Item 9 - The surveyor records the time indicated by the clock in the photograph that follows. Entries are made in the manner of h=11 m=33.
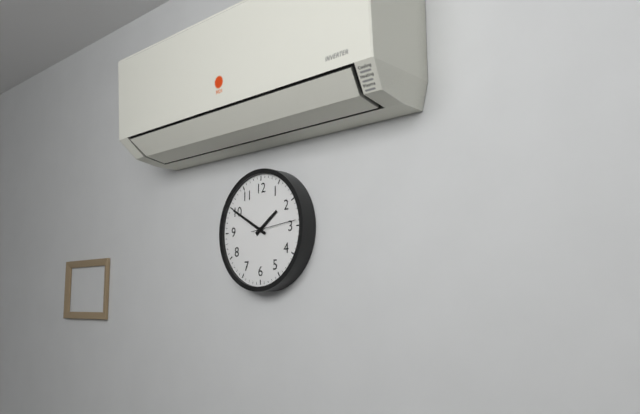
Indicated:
h=1 m=50
